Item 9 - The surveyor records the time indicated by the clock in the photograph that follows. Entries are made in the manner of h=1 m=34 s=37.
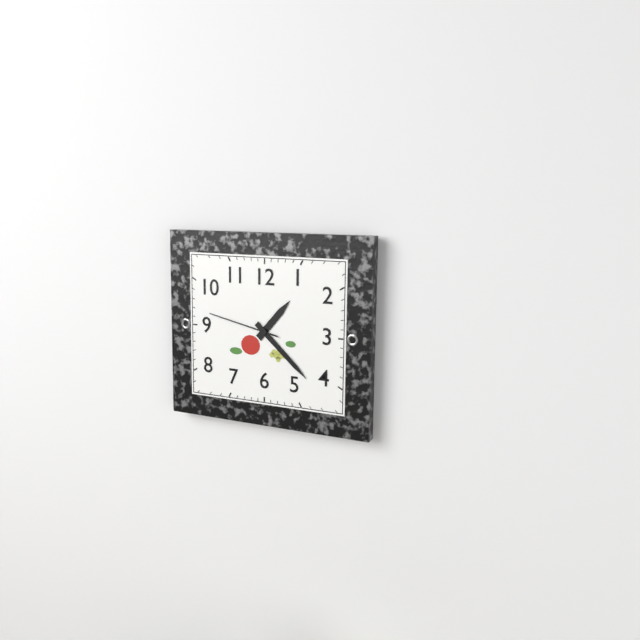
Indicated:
h=1 m=22 s=47
